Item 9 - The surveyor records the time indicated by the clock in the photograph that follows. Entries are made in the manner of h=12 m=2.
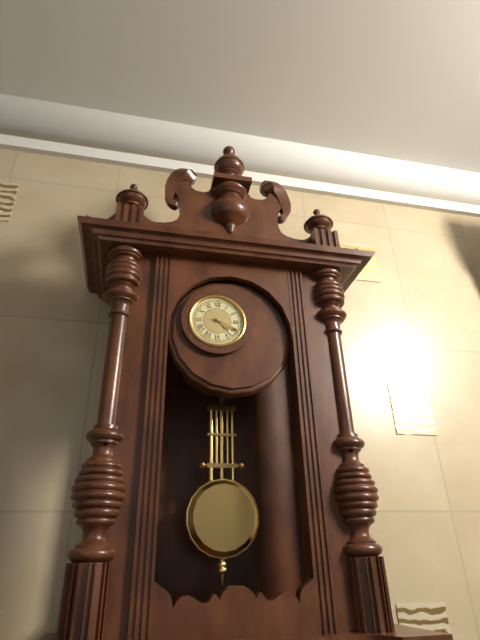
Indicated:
h=4 m=19
